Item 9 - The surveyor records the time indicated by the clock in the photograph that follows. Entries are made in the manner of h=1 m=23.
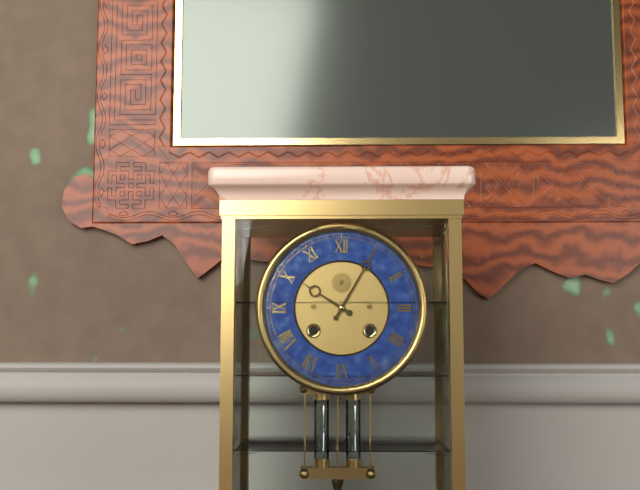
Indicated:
h=10 m=5
